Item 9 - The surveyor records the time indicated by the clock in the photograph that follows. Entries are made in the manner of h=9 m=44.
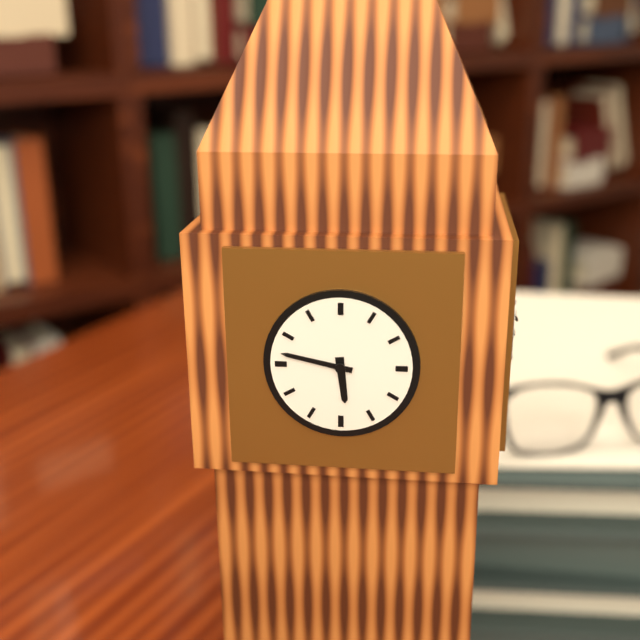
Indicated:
h=5 m=47
